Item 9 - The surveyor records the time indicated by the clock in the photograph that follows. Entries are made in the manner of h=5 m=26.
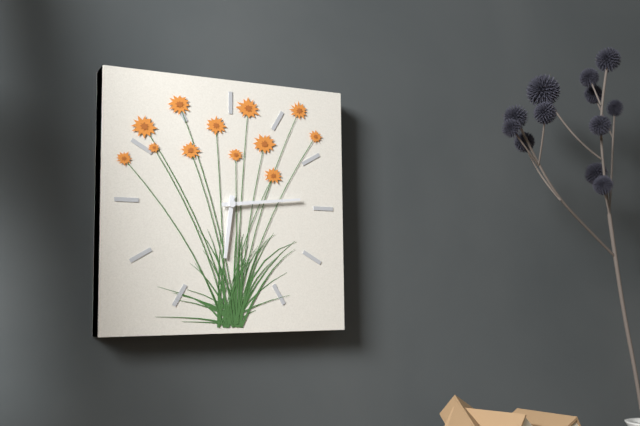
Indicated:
h=6 m=14
